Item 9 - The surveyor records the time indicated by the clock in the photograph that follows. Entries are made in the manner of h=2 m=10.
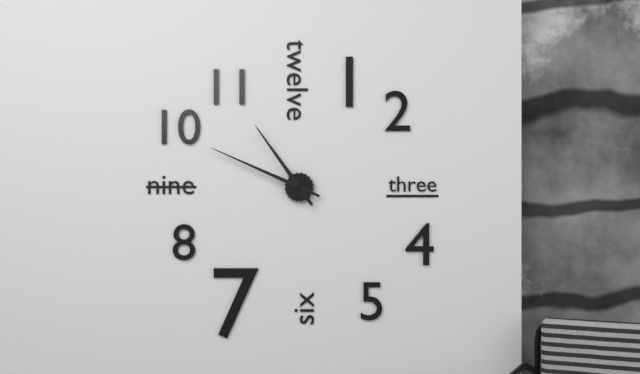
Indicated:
h=10 m=49
